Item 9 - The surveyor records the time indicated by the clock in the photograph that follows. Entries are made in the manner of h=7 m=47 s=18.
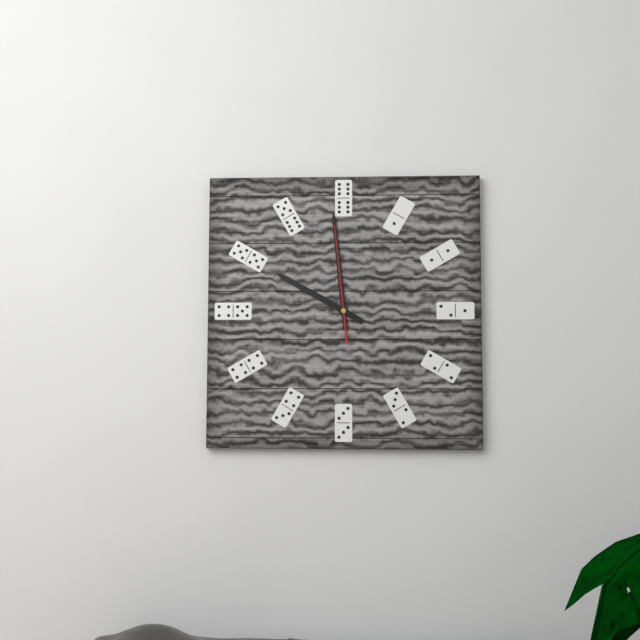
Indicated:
h=9 m=59 s=59
